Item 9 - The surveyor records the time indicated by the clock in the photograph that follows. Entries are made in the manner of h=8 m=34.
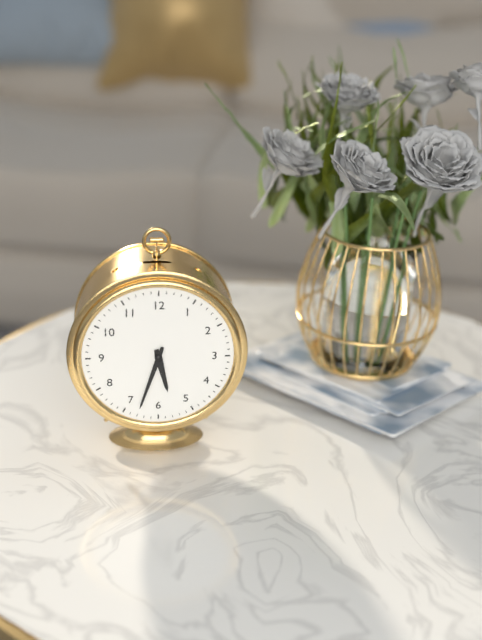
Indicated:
h=5 m=33
